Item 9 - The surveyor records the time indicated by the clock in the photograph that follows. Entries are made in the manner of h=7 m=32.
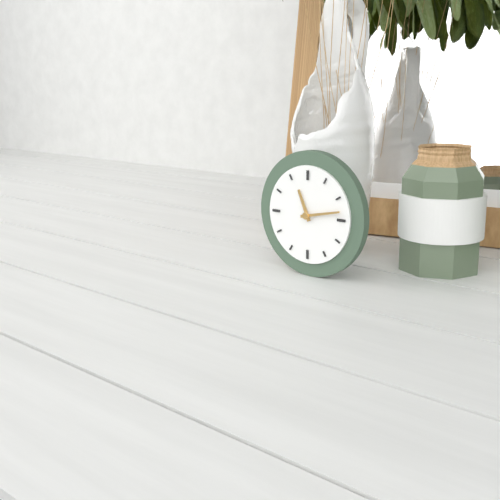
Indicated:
h=11 m=13
